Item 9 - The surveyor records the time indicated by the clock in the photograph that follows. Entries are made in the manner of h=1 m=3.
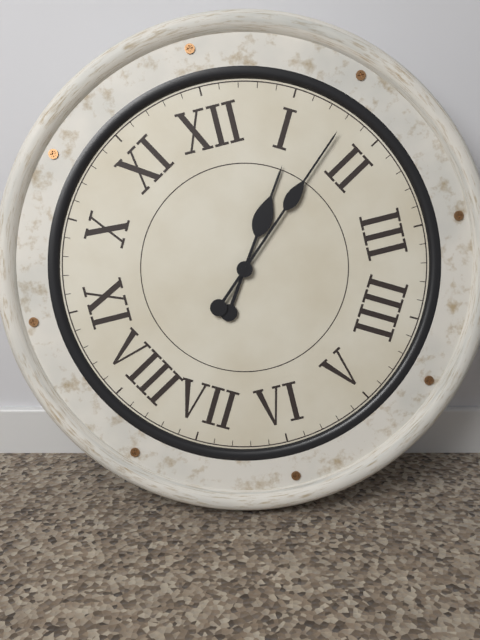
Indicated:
h=1 m=8
